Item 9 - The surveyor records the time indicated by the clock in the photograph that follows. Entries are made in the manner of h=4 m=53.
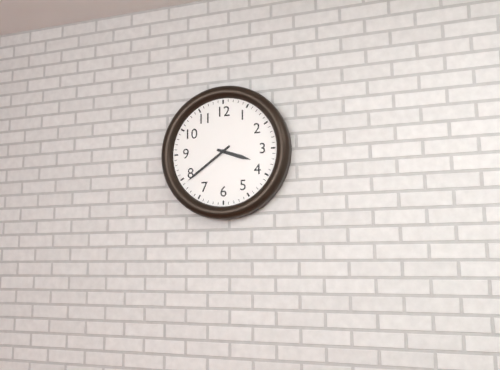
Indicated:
h=3 m=39
